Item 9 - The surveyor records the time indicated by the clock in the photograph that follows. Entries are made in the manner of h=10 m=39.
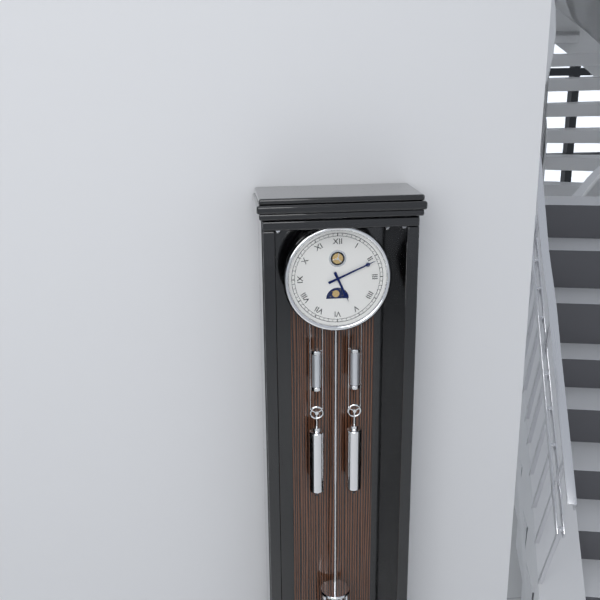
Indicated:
h=5 m=11
